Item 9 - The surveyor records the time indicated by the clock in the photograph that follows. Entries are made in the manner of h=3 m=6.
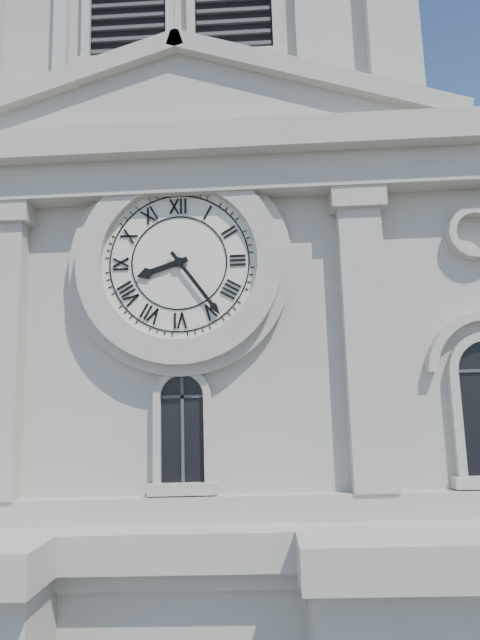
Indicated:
h=8 m=24
